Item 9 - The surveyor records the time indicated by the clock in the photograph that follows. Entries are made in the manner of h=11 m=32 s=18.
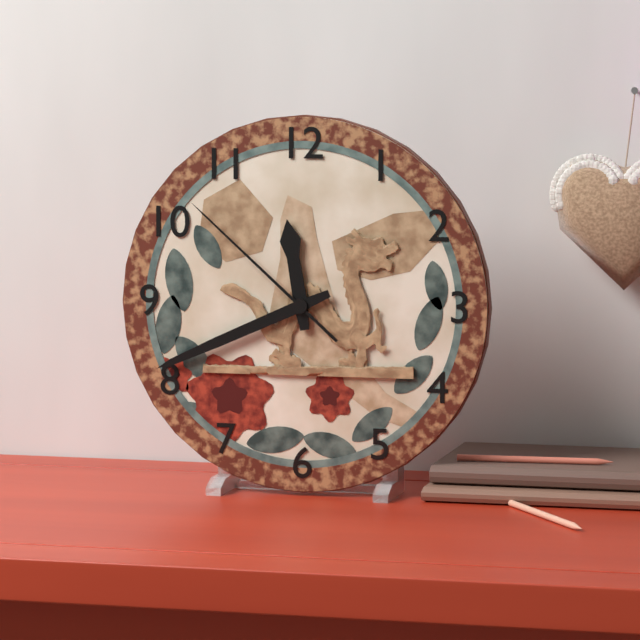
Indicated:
h=11 m=41 s=52
